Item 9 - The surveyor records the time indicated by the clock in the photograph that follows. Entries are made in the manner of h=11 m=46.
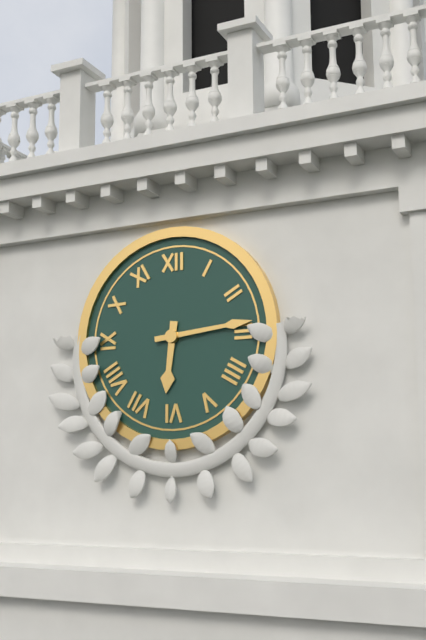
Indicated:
h=6 m=14
